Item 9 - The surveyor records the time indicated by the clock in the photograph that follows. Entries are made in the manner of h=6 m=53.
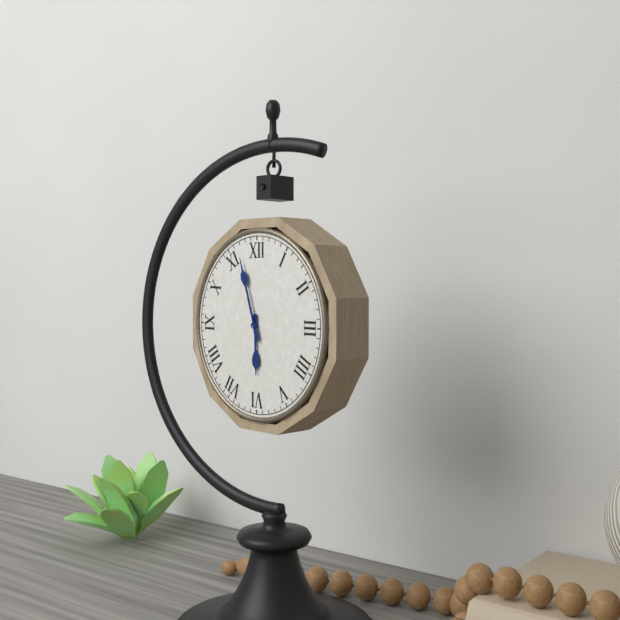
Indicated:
h=5 m=57
